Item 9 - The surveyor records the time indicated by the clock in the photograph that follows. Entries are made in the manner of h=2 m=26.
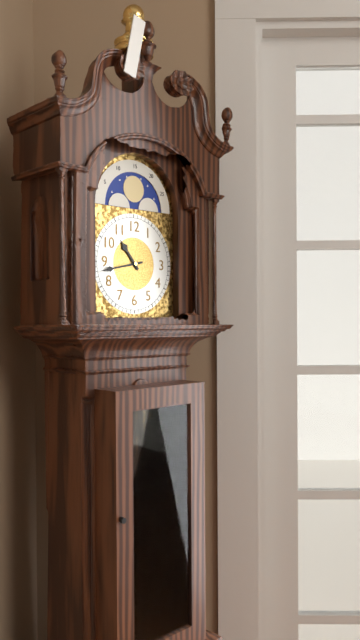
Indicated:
h=10 m=43
